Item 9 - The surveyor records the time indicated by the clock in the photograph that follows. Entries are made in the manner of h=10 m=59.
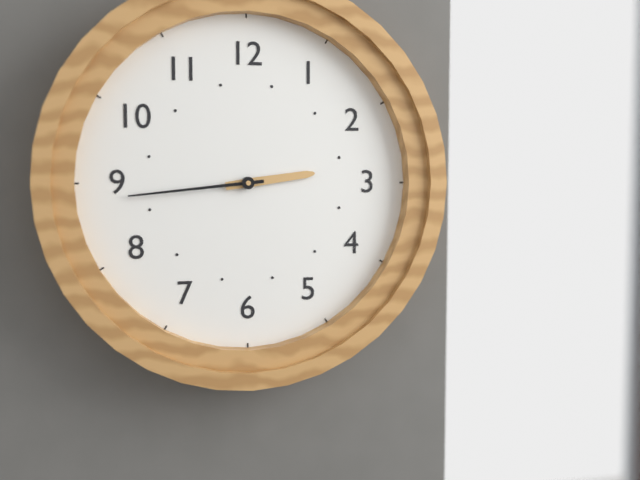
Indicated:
h=2 m=44
